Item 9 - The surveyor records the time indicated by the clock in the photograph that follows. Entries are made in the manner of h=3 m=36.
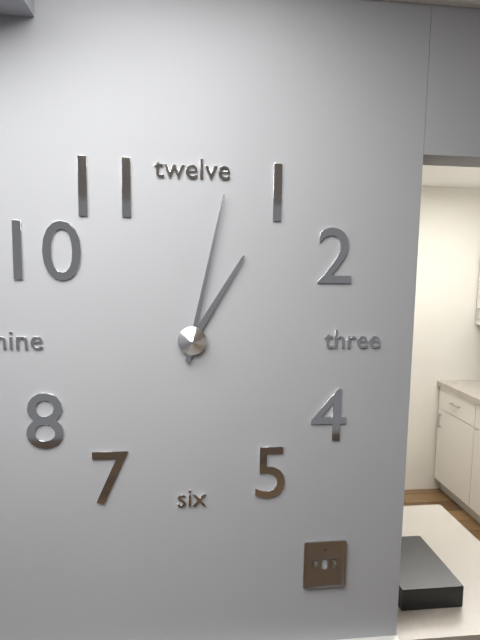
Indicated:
h=1 m=2
